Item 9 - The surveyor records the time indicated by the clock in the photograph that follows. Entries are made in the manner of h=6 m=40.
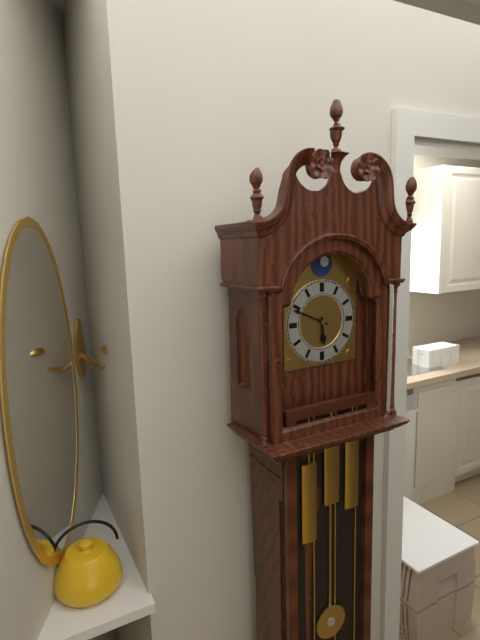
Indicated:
h=5 m=49
